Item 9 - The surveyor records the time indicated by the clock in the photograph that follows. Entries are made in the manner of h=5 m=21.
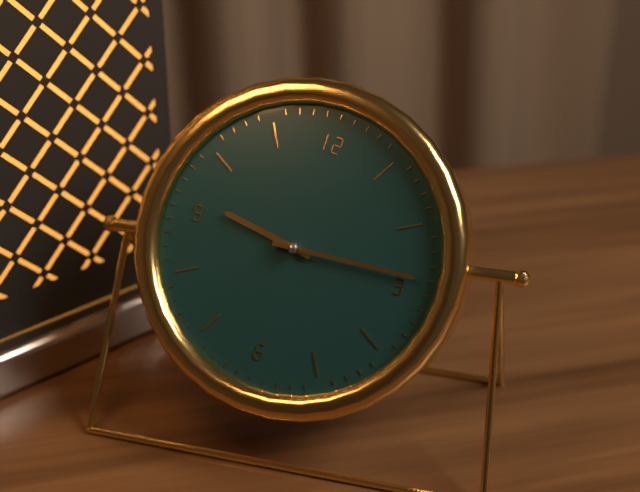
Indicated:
h=9 m=14
